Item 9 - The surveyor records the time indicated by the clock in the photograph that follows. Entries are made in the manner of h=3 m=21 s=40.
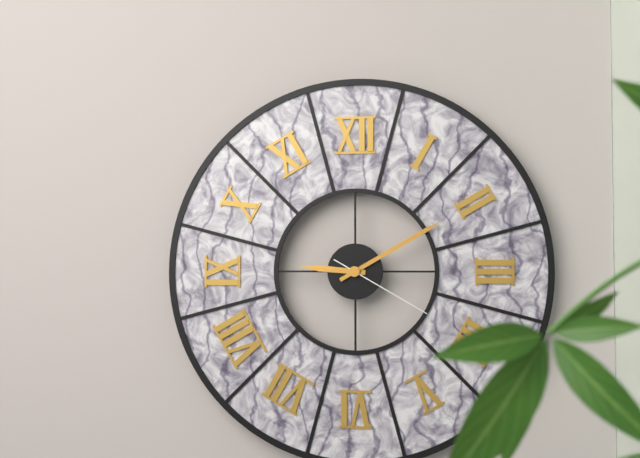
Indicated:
h=9 m=10 s=20
